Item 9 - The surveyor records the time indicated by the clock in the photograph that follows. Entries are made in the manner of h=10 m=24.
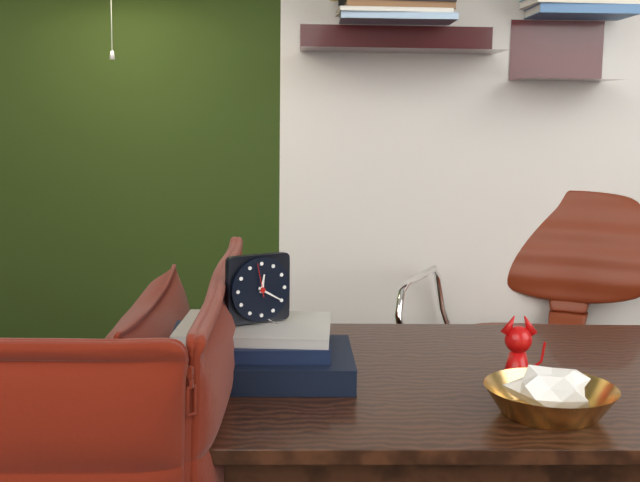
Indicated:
h=12 m=20
